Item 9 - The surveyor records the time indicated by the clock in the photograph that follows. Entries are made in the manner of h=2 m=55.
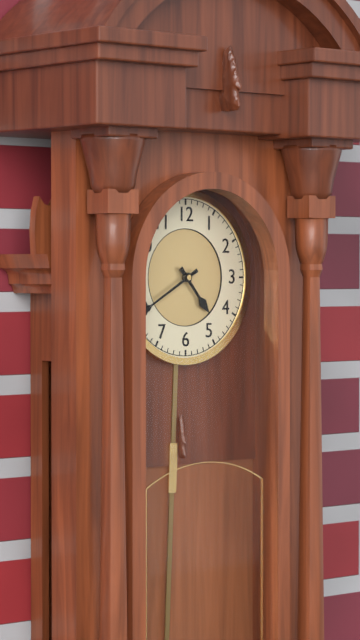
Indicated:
h=4 m=40
